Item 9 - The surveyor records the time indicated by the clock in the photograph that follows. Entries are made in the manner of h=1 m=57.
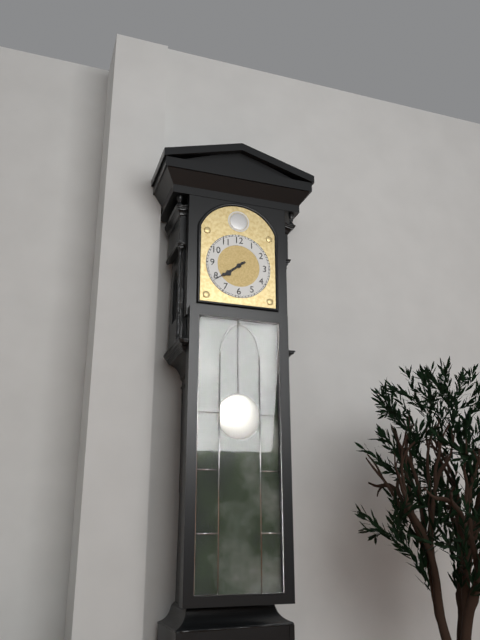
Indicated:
h=7 m=39
